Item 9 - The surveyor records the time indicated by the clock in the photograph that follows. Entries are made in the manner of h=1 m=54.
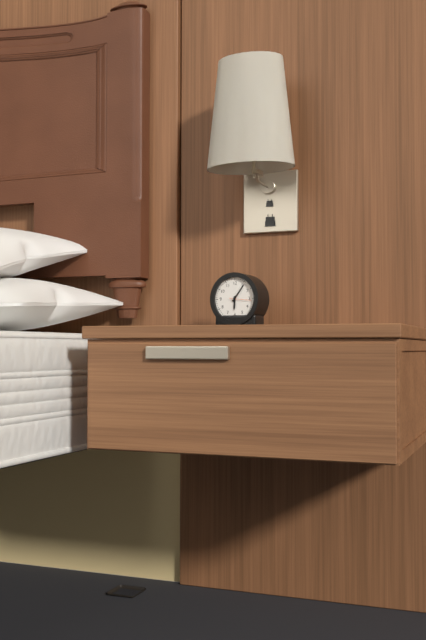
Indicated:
h=6 m=6
